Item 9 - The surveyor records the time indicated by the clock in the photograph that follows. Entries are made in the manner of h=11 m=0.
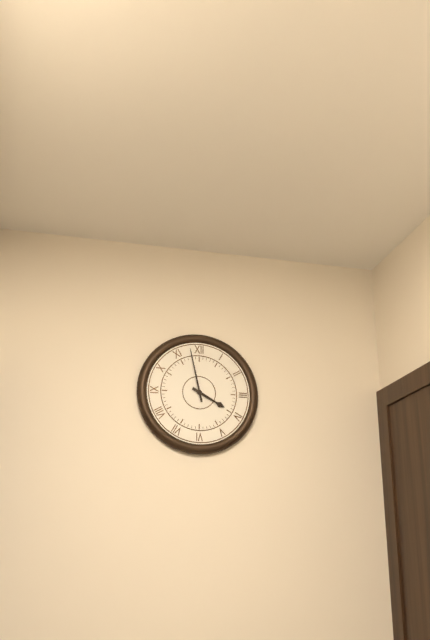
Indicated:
h=3 m=58
